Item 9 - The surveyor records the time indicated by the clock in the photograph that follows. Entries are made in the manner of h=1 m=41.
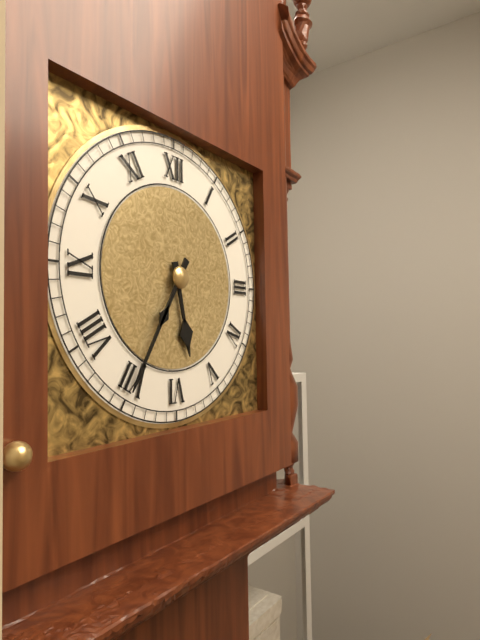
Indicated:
h=5 m=35
